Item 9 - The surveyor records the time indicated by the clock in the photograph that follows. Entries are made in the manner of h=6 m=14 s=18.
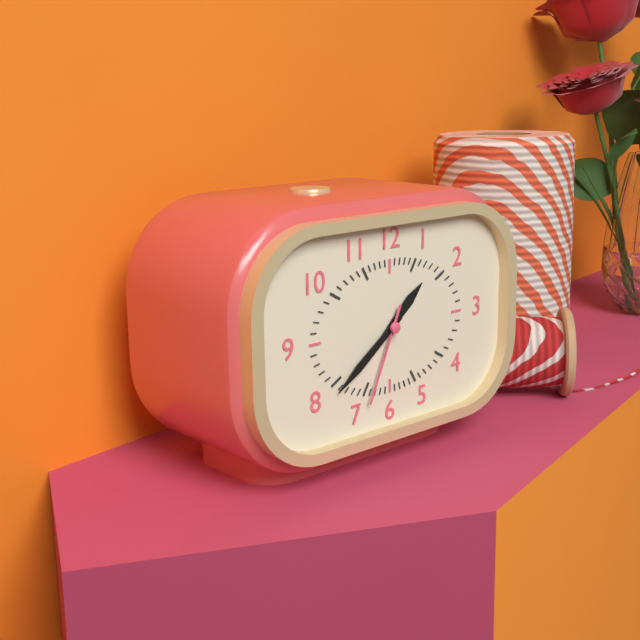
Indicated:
h=1 m=39 s=34
